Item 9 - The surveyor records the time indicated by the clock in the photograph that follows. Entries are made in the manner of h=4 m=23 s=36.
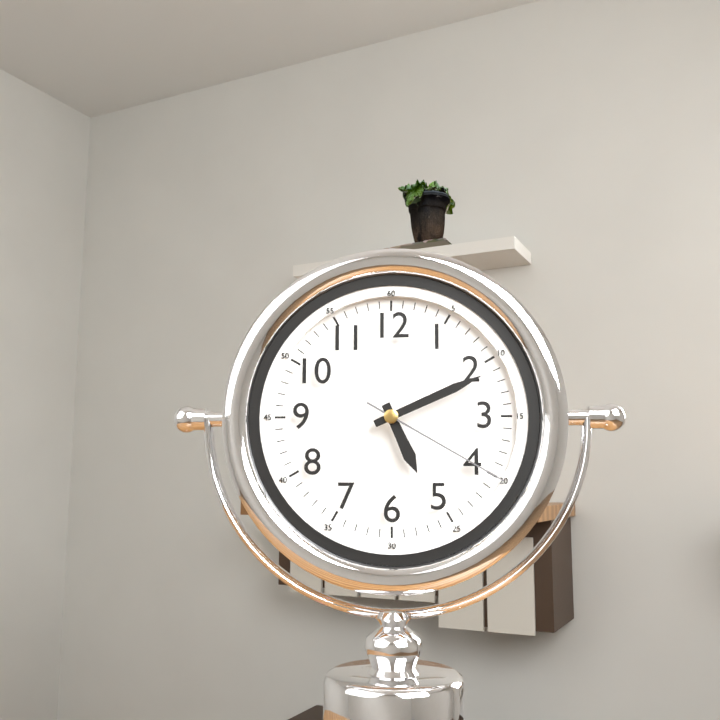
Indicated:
h=5 m=11 s=20
